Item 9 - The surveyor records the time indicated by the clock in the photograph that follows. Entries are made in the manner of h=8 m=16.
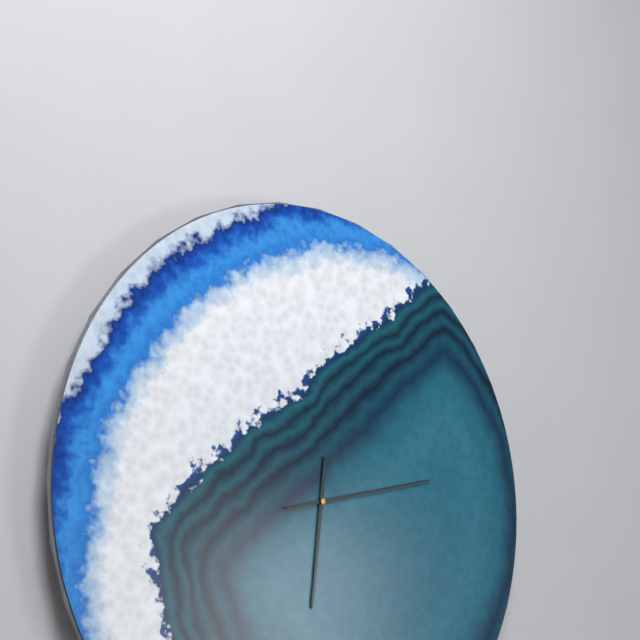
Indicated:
h=6 m=13
